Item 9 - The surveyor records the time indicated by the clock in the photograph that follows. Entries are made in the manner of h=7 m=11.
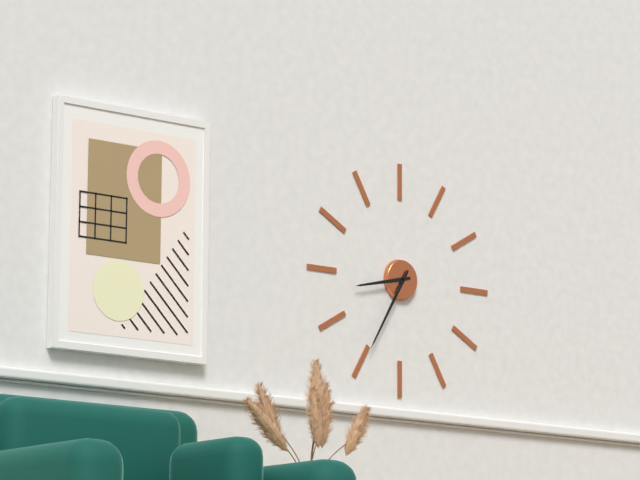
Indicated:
h=8 m=35
